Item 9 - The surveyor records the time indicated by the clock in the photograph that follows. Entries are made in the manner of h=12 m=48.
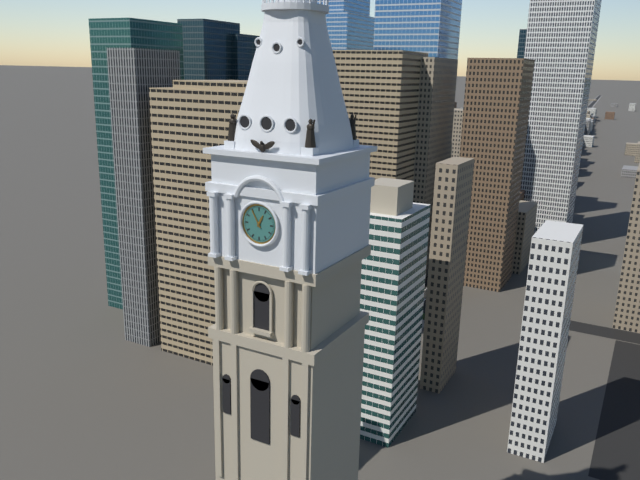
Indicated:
h=12 m=55
